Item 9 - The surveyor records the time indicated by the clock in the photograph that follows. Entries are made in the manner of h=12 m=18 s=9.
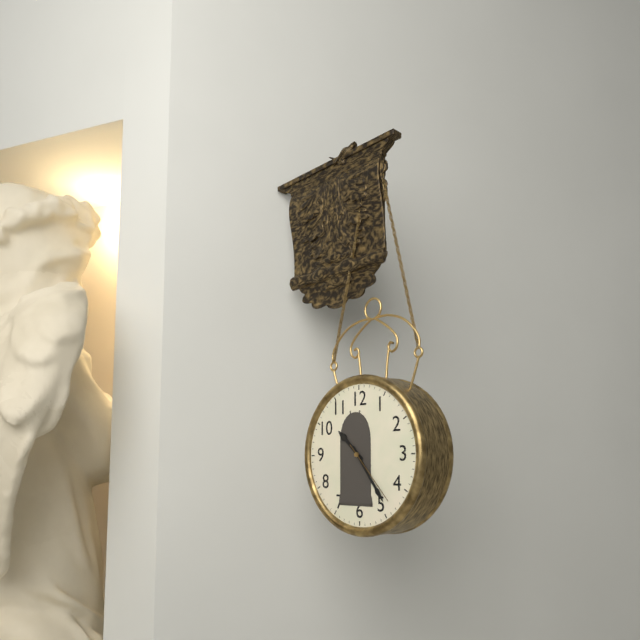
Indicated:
h=10 m=24 s=23
